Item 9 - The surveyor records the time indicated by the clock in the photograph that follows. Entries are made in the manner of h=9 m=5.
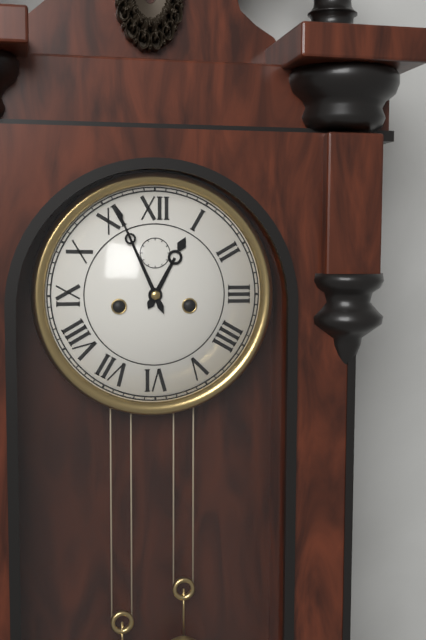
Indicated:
h=12 m=56
